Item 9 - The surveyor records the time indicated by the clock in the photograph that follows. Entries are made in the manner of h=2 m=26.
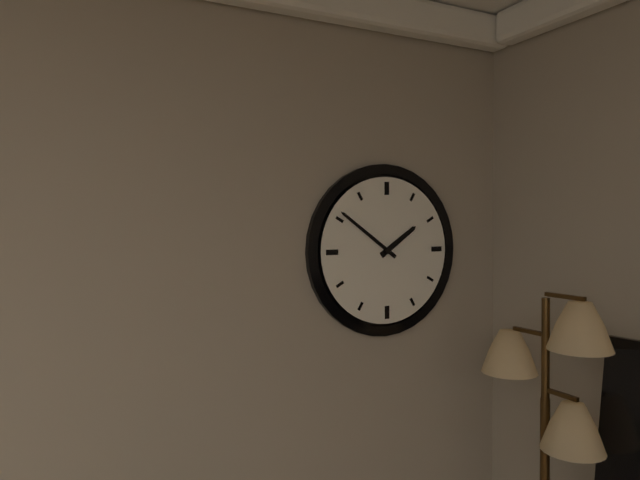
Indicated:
h=1 m=51
